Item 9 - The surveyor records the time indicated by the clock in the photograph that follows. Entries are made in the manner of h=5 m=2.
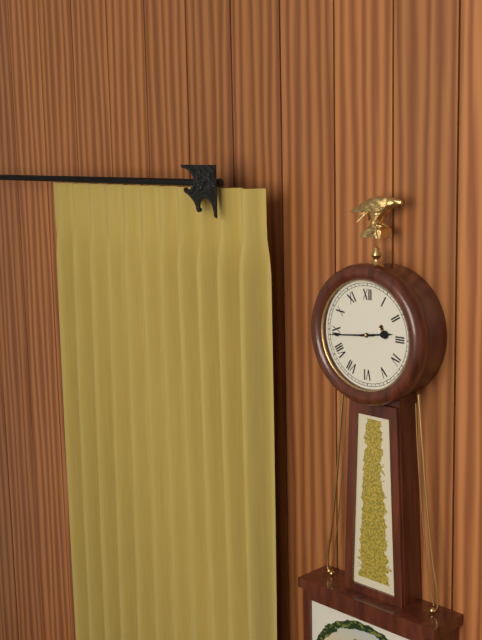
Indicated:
h=2 m=44
